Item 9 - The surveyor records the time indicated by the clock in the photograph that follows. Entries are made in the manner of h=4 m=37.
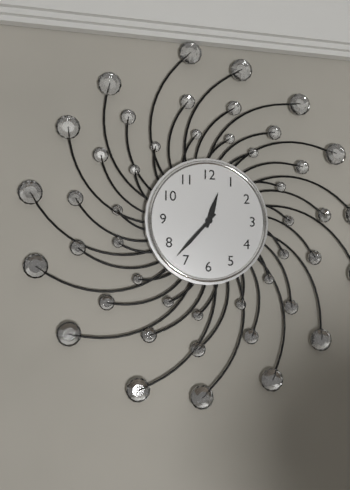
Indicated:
h=12 m=37
